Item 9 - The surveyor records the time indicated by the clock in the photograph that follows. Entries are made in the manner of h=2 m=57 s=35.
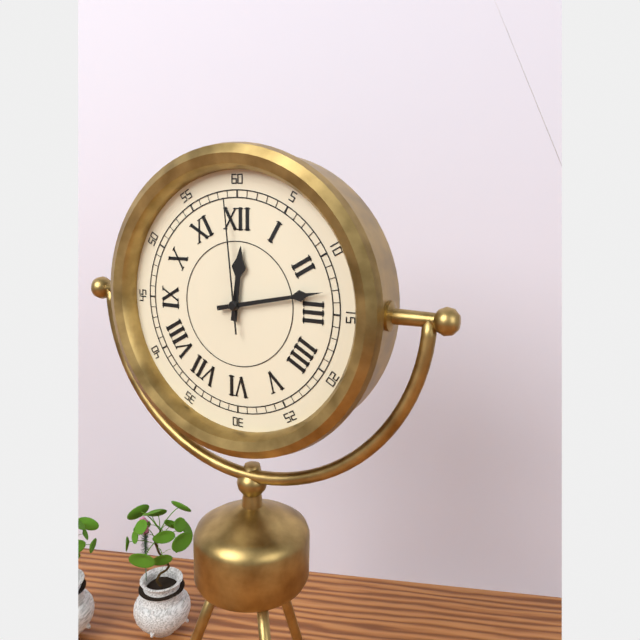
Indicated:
h=12 m=13 s=59
